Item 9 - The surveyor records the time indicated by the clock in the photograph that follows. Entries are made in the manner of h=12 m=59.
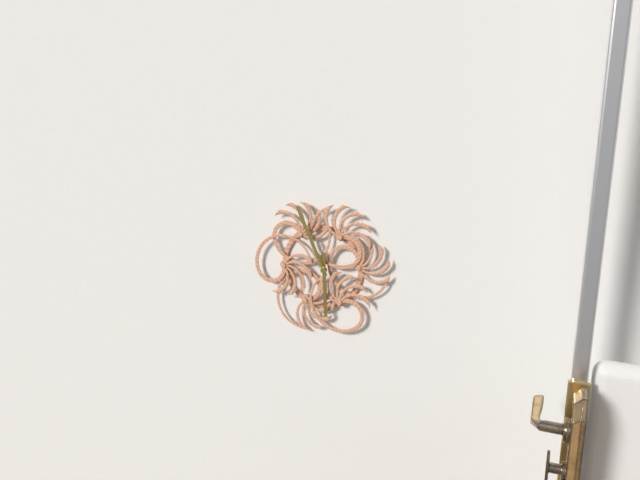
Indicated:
h=5 m=56
